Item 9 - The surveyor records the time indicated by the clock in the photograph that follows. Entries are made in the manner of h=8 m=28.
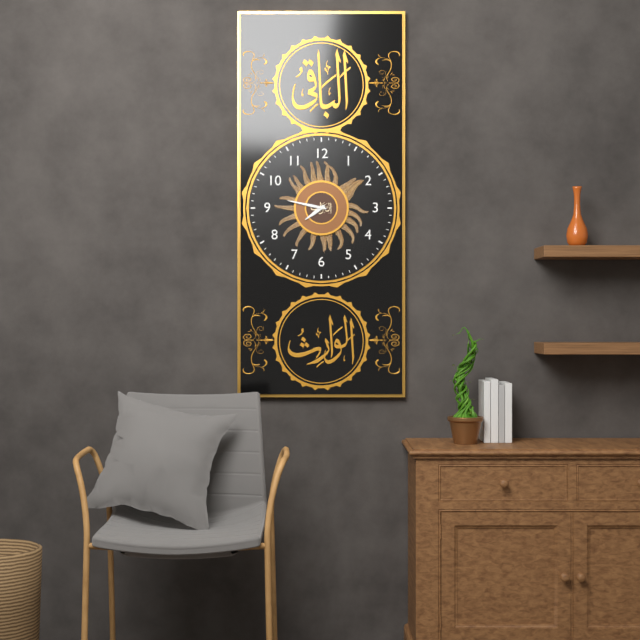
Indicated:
h=7 m=47
